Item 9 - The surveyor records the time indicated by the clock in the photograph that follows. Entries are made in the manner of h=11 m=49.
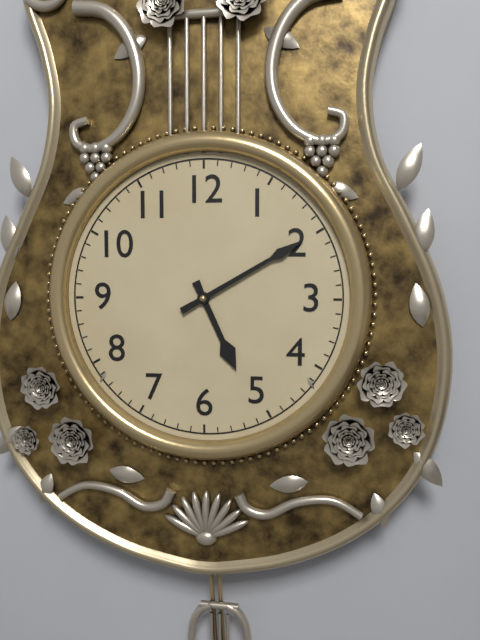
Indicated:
h=5 m=10
